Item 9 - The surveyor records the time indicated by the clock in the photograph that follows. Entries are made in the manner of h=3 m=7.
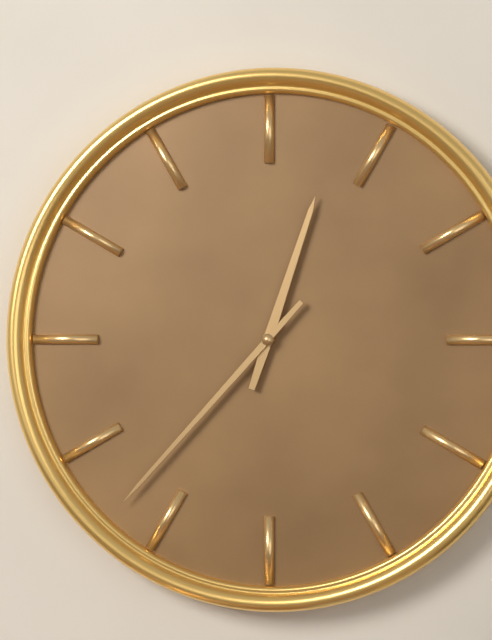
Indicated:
h=12 m=37
